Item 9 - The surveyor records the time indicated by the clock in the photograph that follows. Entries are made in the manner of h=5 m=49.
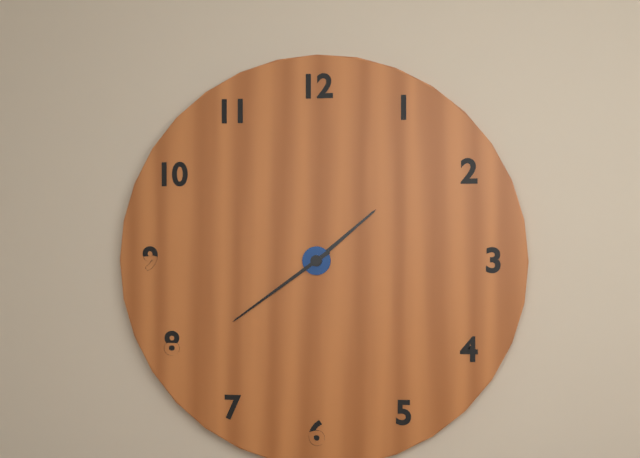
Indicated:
h=1 m=39
